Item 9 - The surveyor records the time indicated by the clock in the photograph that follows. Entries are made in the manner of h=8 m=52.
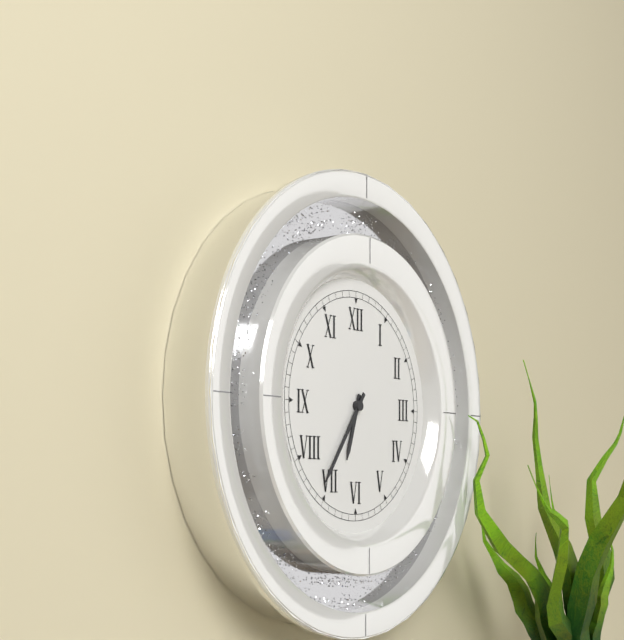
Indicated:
h=6 m=36
